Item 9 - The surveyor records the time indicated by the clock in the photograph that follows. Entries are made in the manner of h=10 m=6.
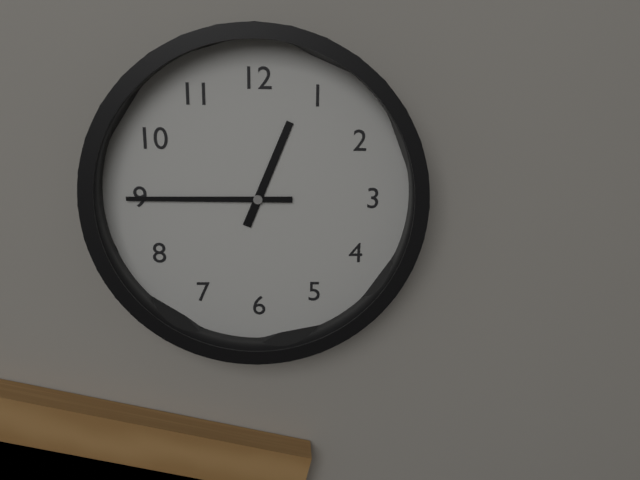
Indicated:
h=12 m=45
